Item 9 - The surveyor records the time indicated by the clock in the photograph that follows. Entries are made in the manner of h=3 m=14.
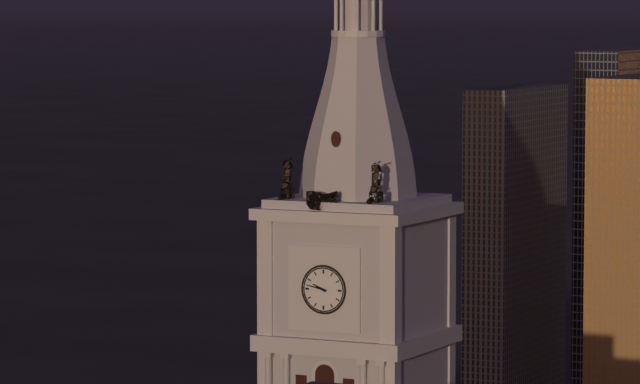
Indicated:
h=9 m=47
